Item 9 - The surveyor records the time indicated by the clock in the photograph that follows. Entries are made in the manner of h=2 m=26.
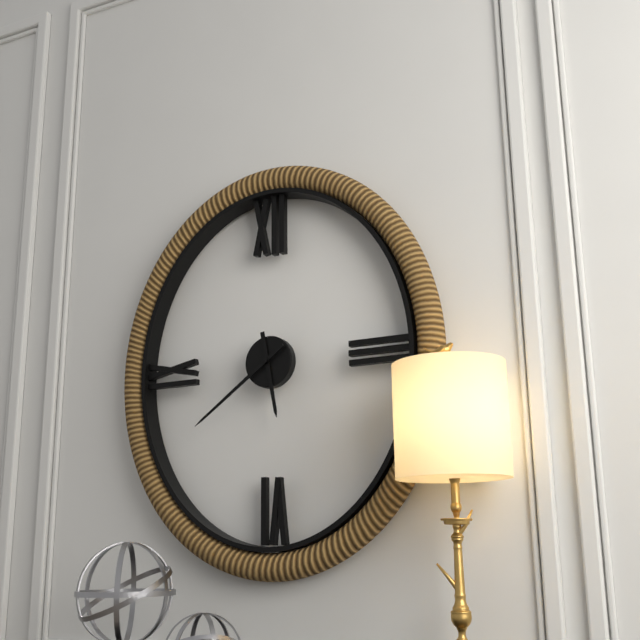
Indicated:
h=5 m=39
